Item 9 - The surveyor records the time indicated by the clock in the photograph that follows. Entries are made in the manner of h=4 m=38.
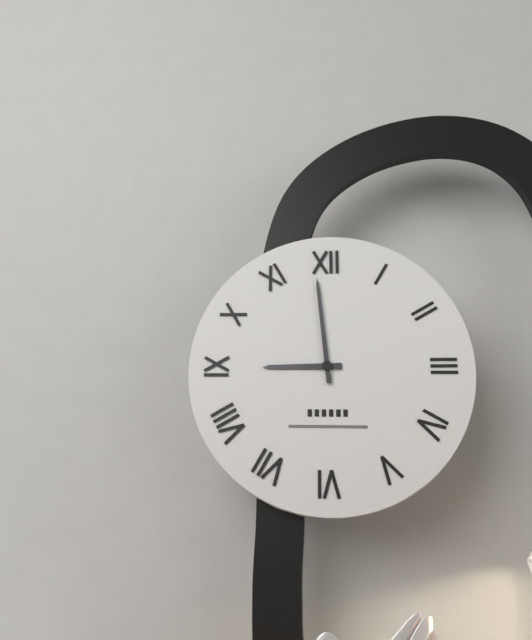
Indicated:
h=8 m=59
